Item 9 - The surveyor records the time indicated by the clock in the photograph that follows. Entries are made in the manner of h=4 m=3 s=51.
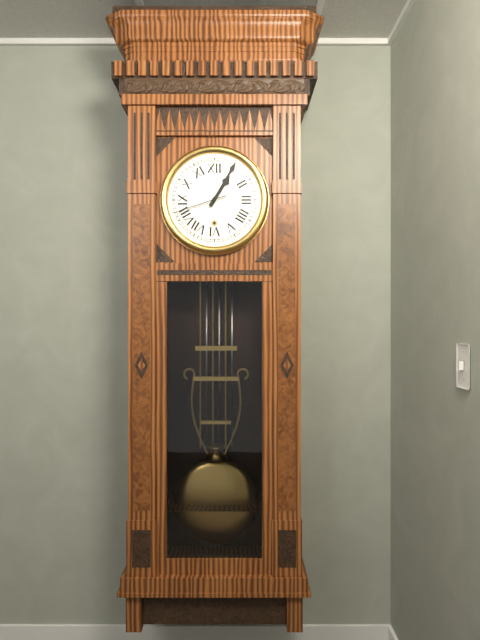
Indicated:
h=1 m=5 s=42
